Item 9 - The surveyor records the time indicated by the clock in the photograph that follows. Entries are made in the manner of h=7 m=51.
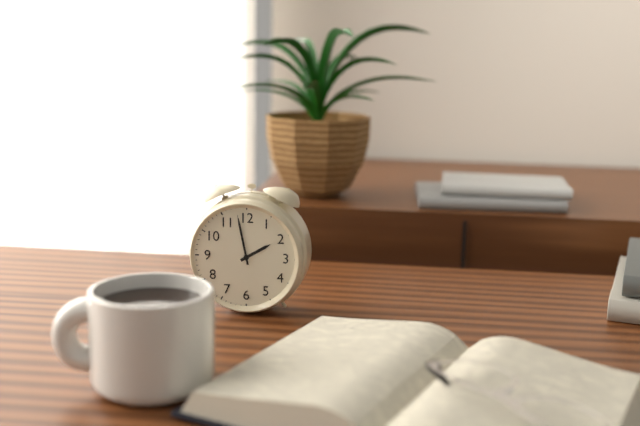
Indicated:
h=1 m=58
